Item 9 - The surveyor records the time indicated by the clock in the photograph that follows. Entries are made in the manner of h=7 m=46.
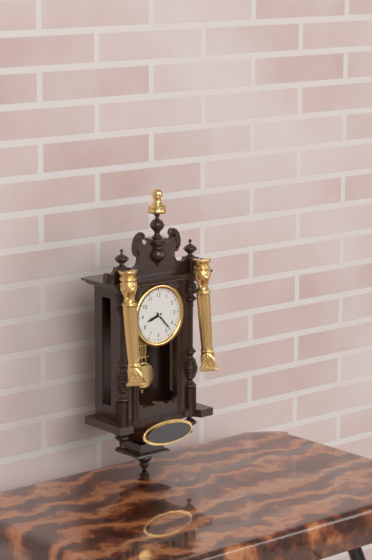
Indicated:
h=8 m=23
